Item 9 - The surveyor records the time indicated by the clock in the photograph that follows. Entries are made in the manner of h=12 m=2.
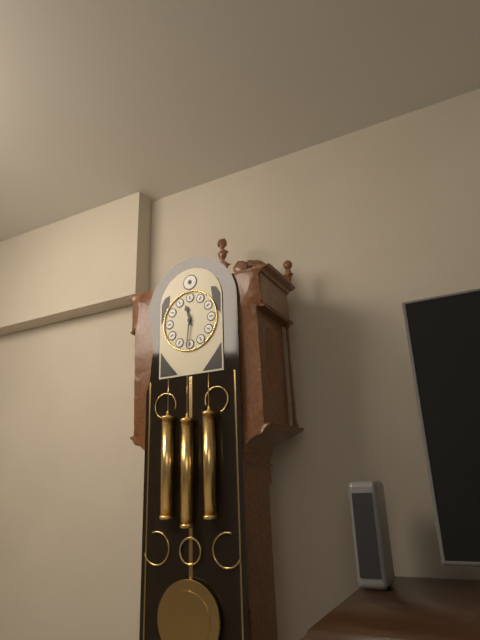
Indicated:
h=11 m=31
